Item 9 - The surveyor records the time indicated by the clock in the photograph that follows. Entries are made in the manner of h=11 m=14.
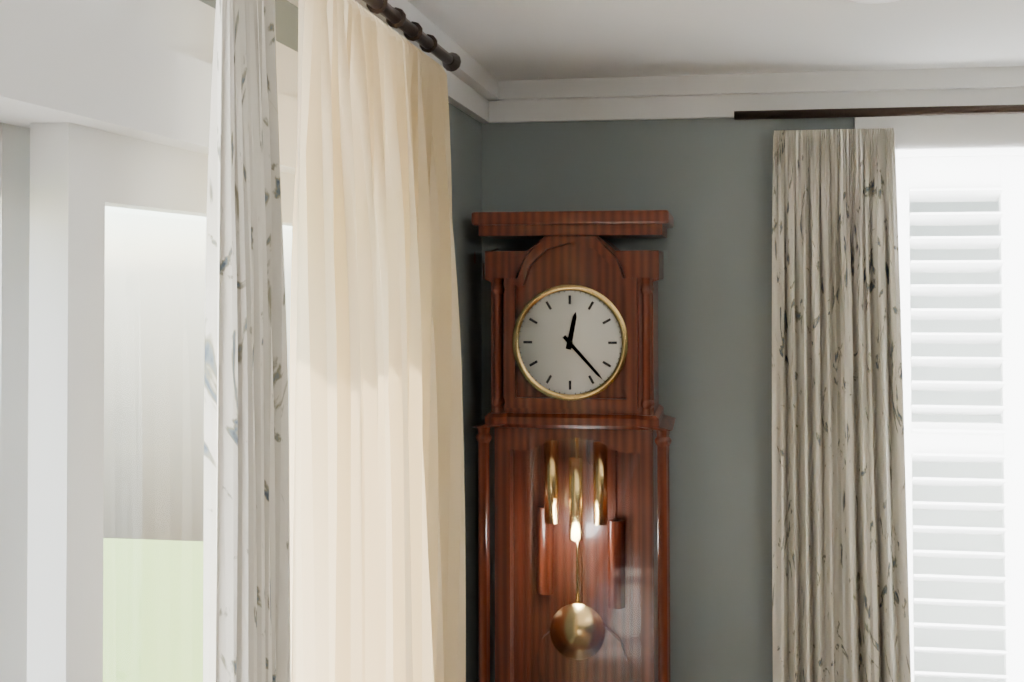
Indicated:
h=12 m=23
